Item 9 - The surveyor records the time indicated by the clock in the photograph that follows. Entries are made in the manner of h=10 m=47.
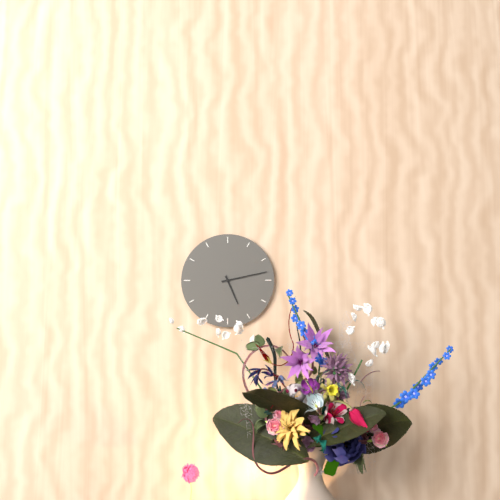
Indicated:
h=5 m=13
